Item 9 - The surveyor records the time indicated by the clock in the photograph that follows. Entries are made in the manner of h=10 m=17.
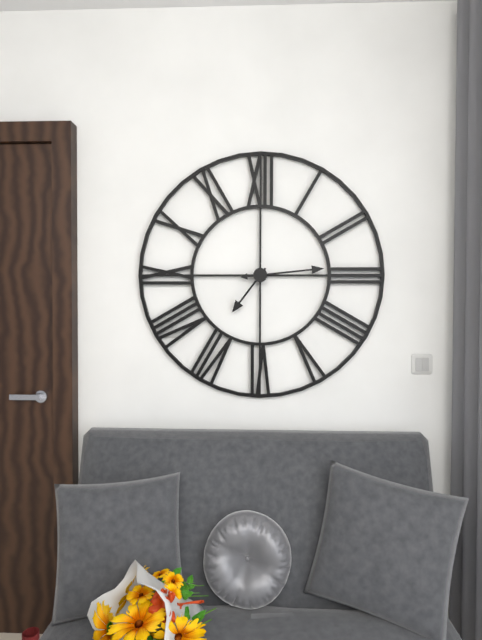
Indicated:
h=7 m=14
